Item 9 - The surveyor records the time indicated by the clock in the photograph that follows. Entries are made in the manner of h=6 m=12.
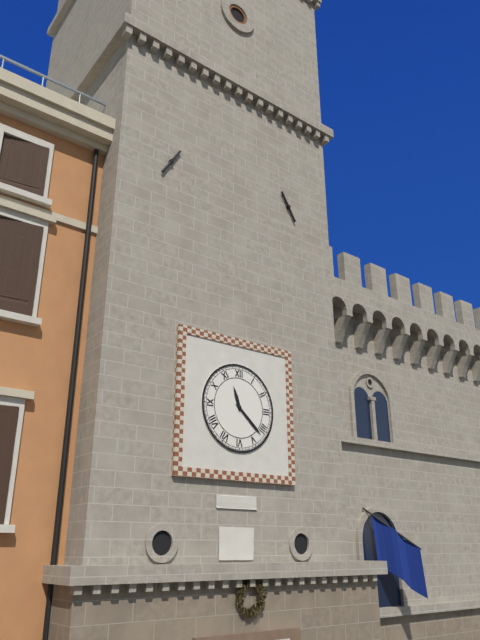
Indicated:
h=11 m=22
